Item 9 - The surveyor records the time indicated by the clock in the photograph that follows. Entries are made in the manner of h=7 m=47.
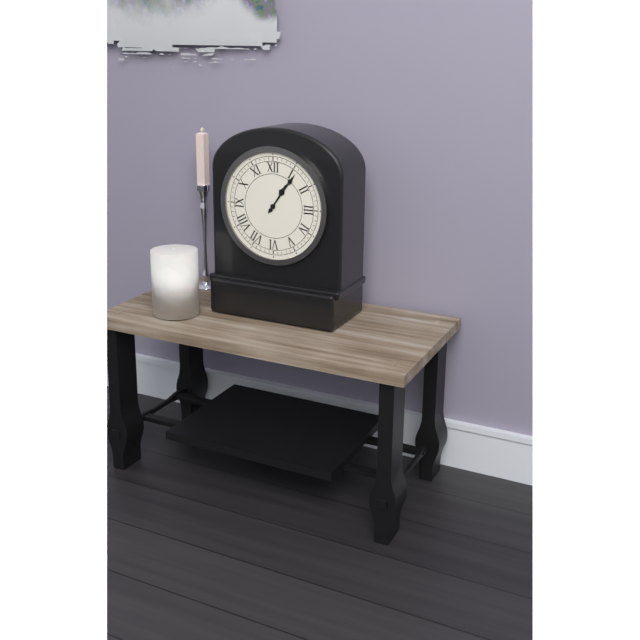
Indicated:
h=1 m=6
